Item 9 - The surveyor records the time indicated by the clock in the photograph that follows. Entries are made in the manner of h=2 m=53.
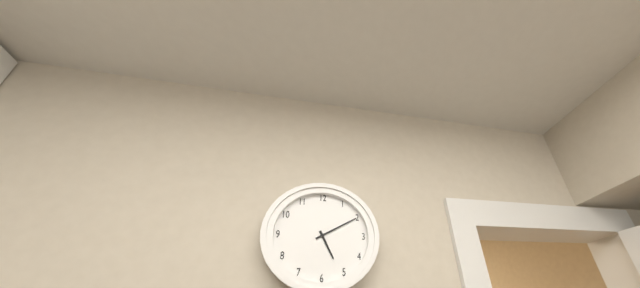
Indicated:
h=5 m=10
